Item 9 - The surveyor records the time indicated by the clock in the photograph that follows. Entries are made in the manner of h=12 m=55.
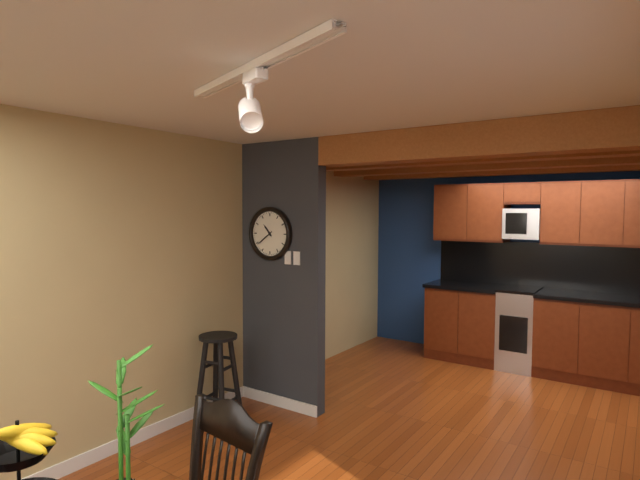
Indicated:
h=10 m=39
